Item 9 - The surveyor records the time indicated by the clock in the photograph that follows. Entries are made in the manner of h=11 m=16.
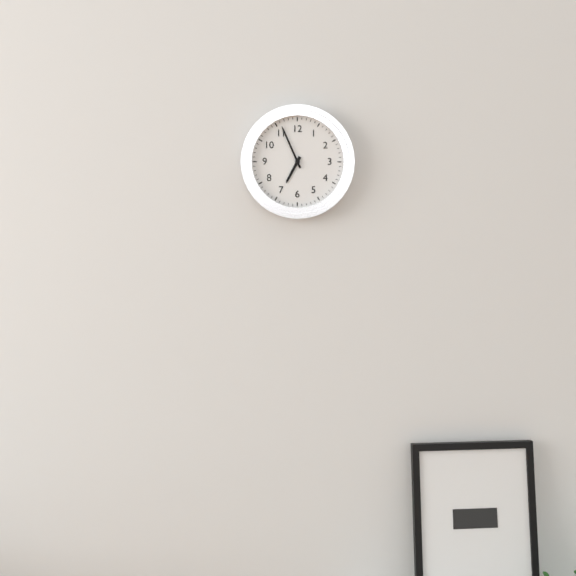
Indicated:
h=6 m=56
